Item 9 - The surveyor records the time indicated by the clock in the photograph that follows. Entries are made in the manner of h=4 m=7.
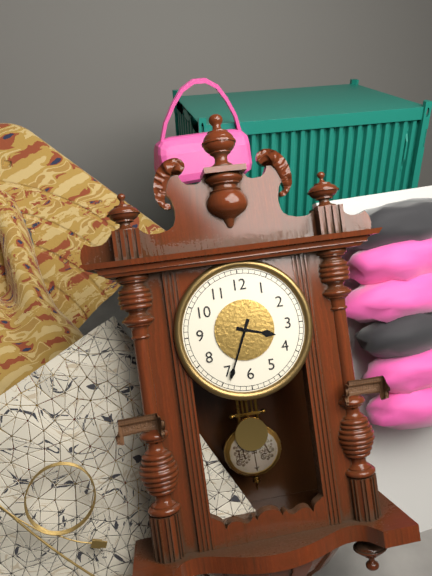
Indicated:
h=3 m=34
